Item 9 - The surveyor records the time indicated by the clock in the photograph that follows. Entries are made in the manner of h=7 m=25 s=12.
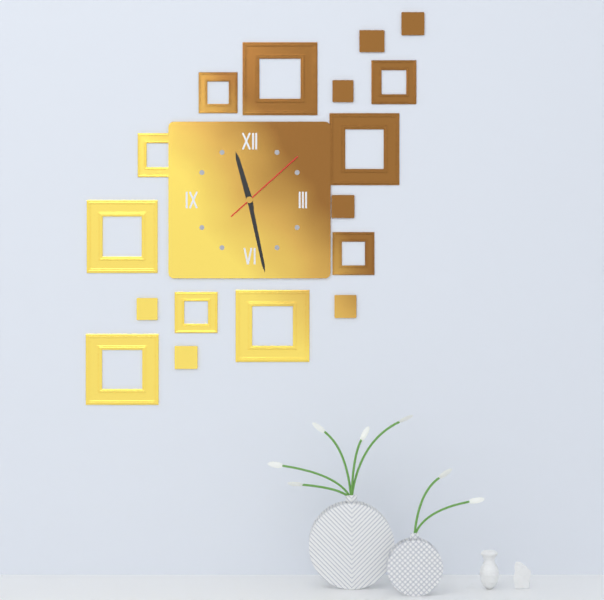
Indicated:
h=11 m=28 s=8
